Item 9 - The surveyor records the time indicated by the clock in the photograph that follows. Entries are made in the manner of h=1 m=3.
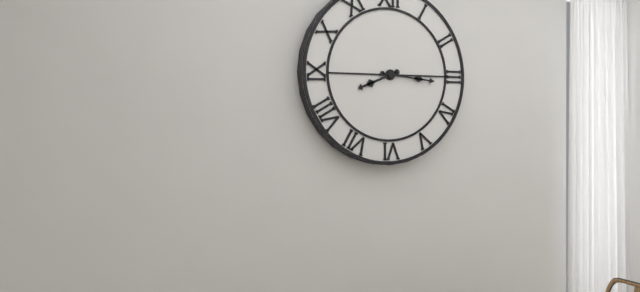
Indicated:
h=8 m=16
